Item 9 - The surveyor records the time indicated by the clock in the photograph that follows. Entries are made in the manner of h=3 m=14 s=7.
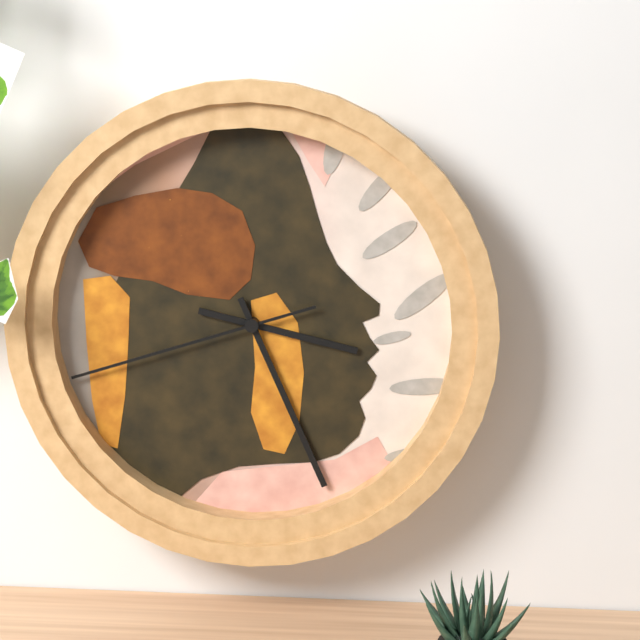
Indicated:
h=3 m=26 s=42
